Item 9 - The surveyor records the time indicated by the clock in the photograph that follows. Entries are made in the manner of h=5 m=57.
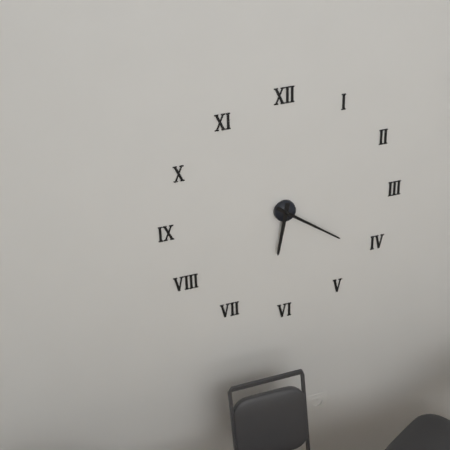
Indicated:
h=6 m=21
